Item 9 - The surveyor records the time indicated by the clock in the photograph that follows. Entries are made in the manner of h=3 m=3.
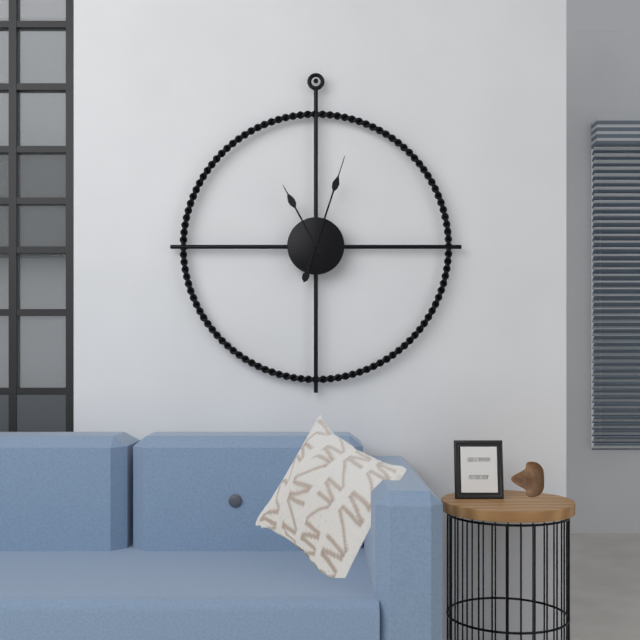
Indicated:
h=11 m=3
